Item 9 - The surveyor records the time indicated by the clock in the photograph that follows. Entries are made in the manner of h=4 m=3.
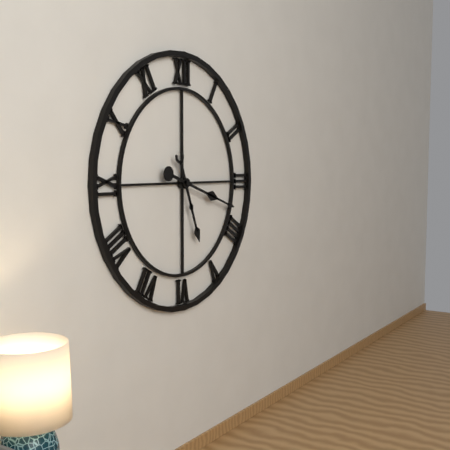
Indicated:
h=5 m=18
